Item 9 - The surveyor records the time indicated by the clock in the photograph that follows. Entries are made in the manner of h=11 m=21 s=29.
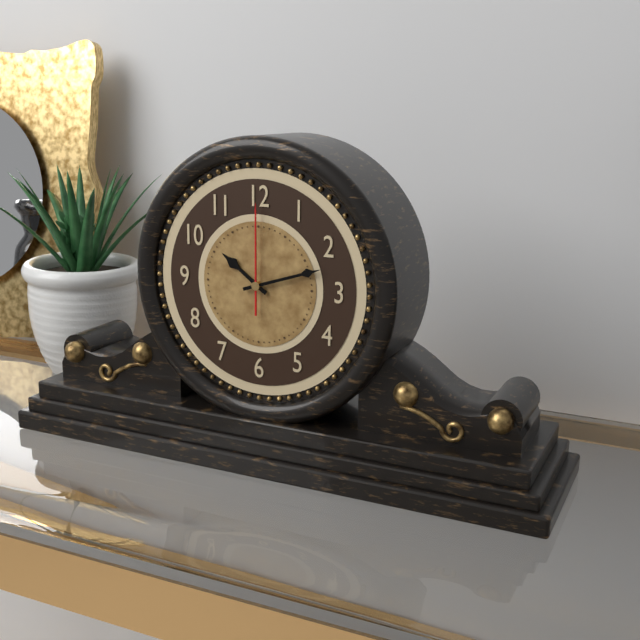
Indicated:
h=10 m=12 s=0
